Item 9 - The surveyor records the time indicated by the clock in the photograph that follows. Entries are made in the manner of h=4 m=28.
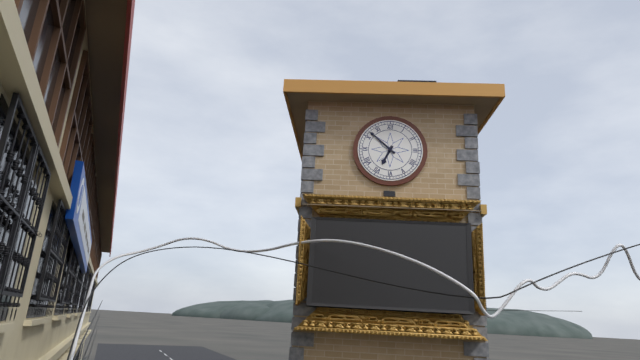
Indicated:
h=6 m=52
